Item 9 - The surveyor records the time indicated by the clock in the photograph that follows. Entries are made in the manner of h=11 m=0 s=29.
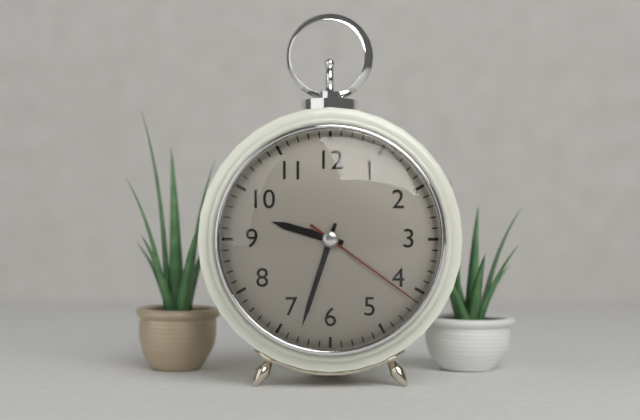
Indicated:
h=9 m=33 s=21
